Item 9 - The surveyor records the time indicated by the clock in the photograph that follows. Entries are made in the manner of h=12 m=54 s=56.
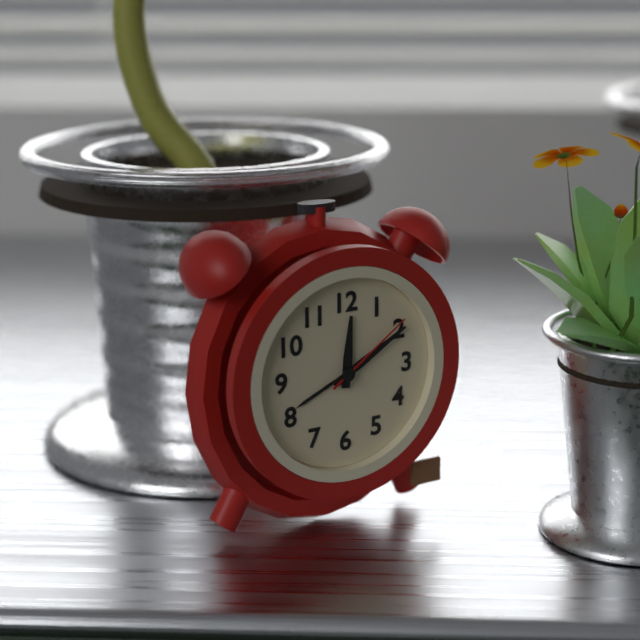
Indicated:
h=12 m=10 s=9
